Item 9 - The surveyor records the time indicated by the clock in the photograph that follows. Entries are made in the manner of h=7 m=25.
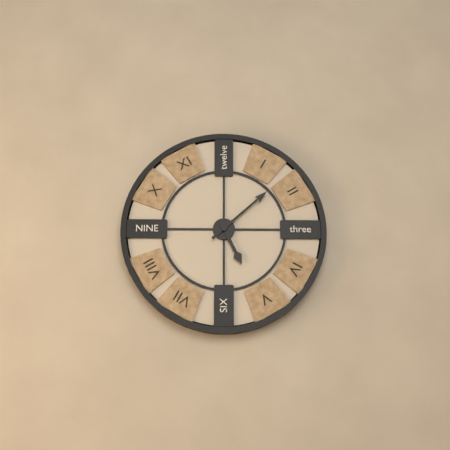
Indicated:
h=5 m=8
